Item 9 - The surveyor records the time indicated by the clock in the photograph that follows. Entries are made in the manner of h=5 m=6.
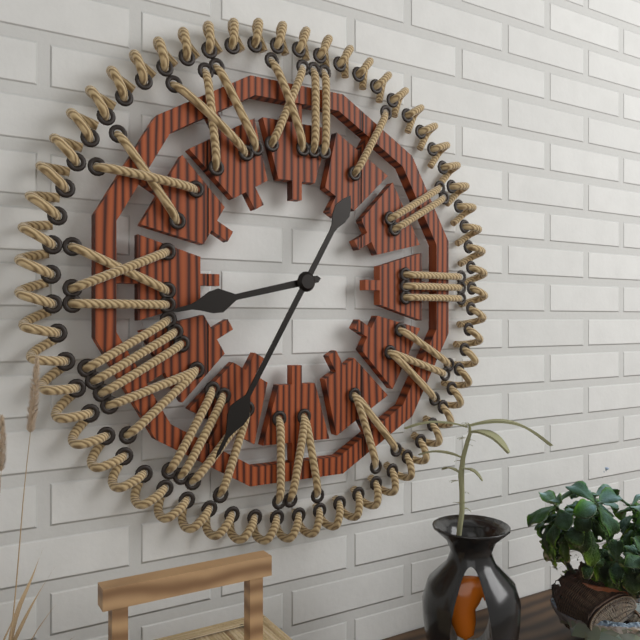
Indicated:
h=8 m=35
